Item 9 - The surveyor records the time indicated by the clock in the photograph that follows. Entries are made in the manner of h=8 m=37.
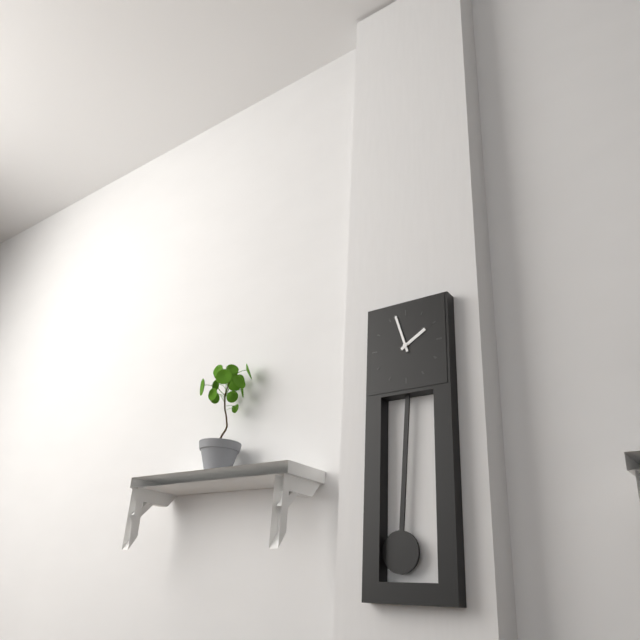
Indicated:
h=1 m=57
